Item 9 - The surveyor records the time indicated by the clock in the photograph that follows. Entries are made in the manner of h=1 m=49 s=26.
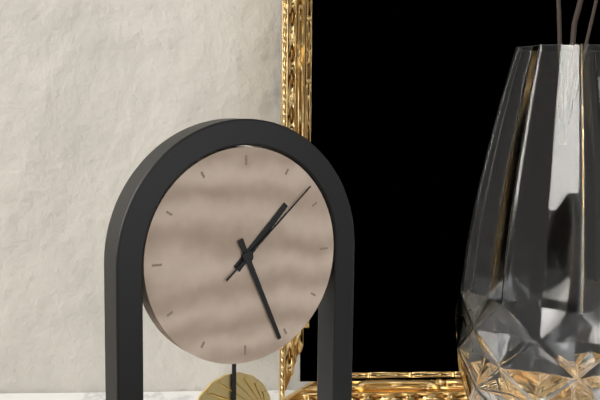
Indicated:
h=1 m=26 s=8
